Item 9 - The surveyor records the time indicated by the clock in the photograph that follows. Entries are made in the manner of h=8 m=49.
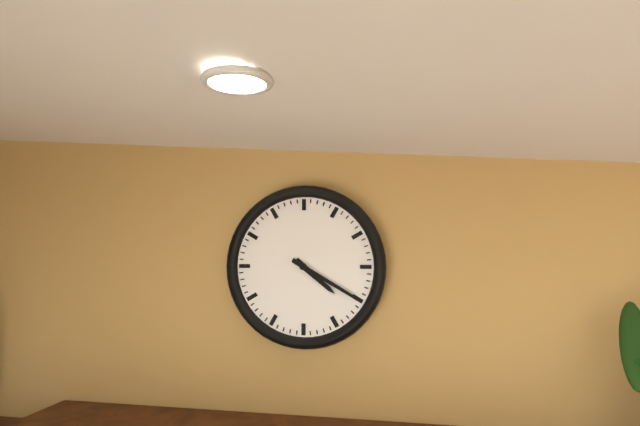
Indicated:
h=4 m=20
